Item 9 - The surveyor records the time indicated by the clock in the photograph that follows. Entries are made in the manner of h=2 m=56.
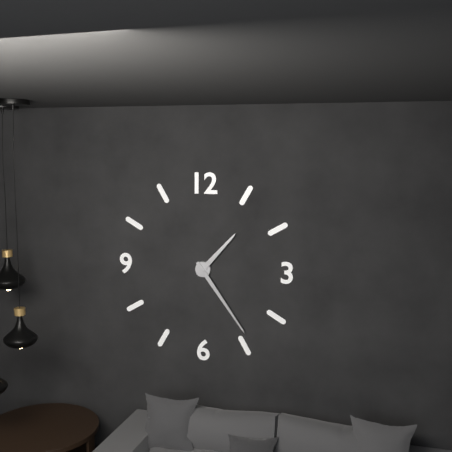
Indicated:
h=1 m=24
